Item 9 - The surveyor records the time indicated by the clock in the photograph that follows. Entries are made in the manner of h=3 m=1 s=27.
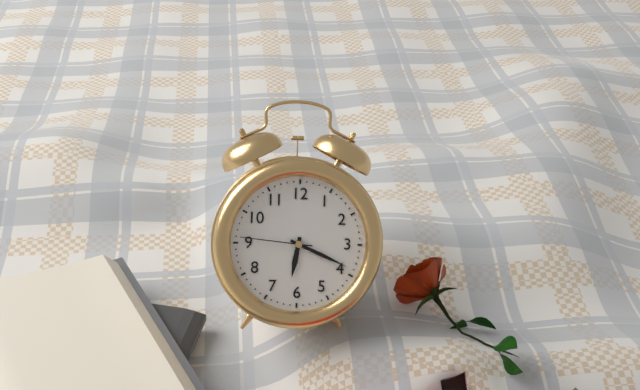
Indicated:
h=6 m=19 s=46
